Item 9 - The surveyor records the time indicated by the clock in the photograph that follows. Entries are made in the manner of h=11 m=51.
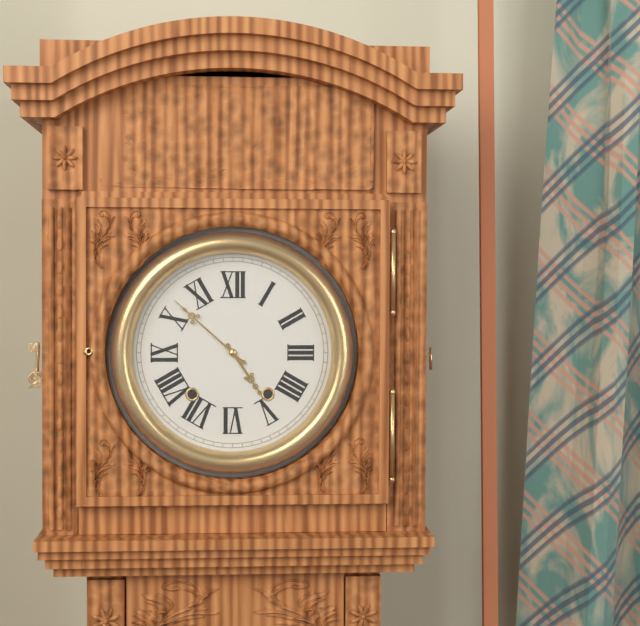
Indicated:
h=4 m=52
